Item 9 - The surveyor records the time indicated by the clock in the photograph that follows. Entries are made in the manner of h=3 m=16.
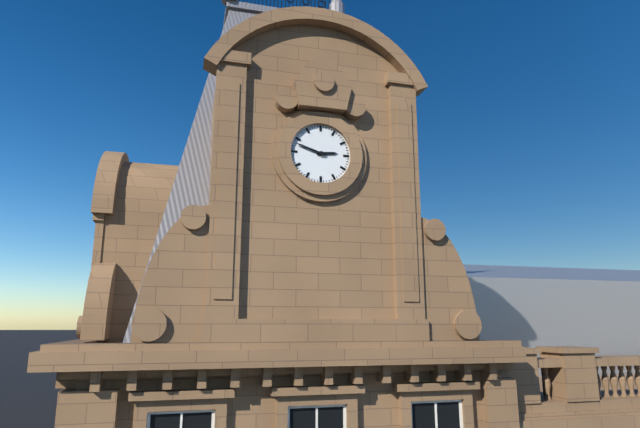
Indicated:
h=2 m=48
